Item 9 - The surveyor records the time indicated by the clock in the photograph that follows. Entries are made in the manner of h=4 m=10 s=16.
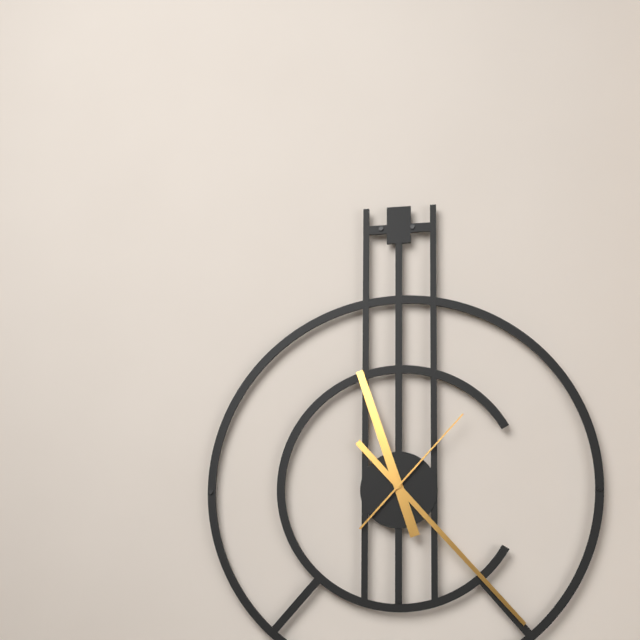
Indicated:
h=11 m=23 s=7
